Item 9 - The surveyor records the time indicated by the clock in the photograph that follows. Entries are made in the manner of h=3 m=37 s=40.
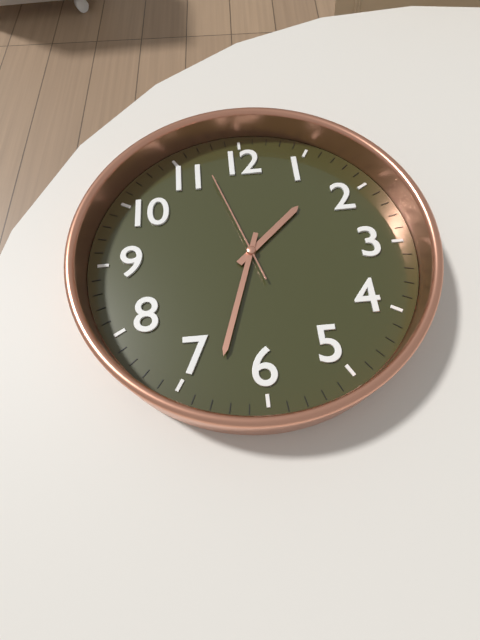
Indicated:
h=1 m=33 s=57
